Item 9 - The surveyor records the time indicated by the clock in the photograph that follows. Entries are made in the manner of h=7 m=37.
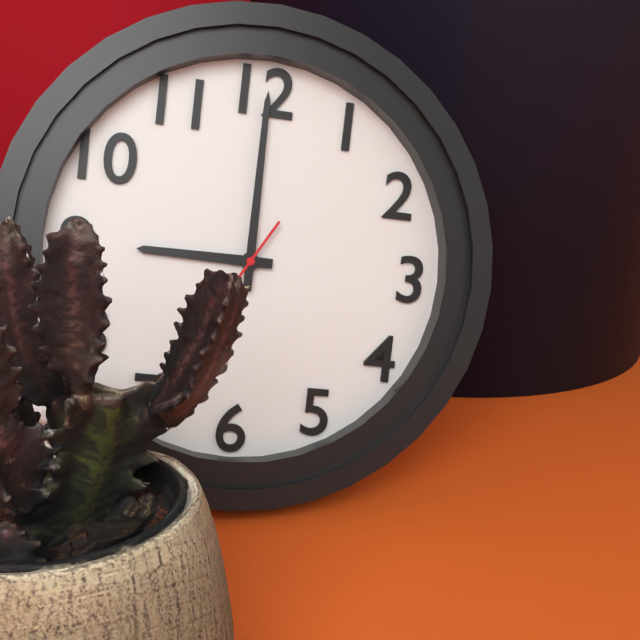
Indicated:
h=9 m=0
